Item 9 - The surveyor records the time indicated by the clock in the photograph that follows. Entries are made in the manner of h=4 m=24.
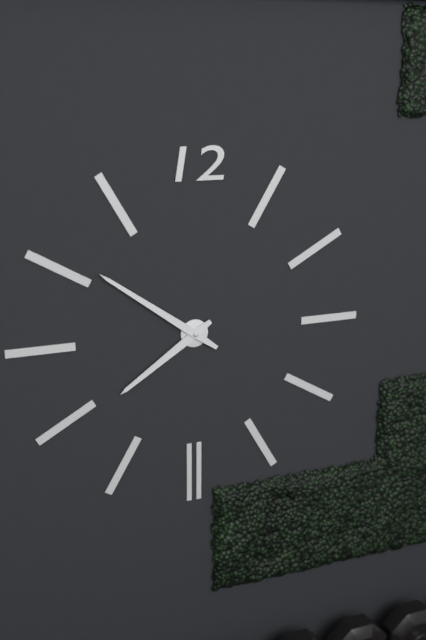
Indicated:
h=7 m=51
